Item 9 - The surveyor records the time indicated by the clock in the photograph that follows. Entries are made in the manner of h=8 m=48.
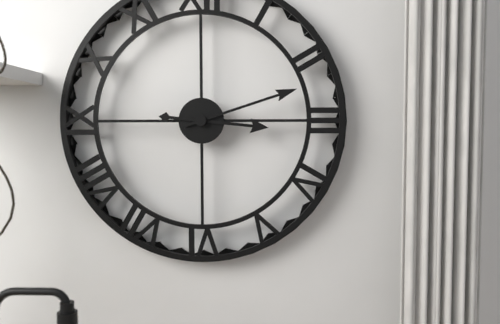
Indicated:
h=3 m=12
